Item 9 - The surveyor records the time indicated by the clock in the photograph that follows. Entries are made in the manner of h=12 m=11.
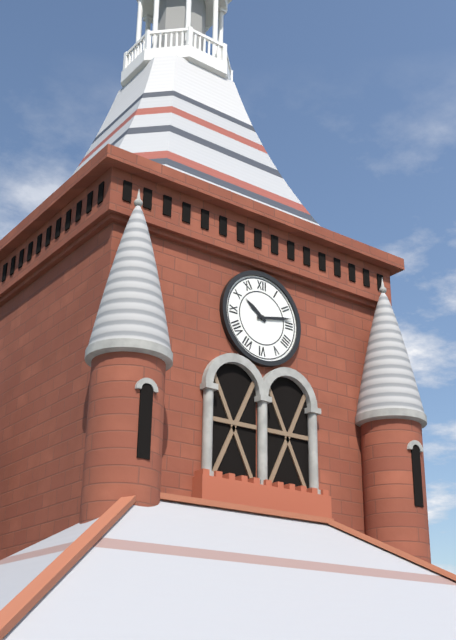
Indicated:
h=10 m=13
